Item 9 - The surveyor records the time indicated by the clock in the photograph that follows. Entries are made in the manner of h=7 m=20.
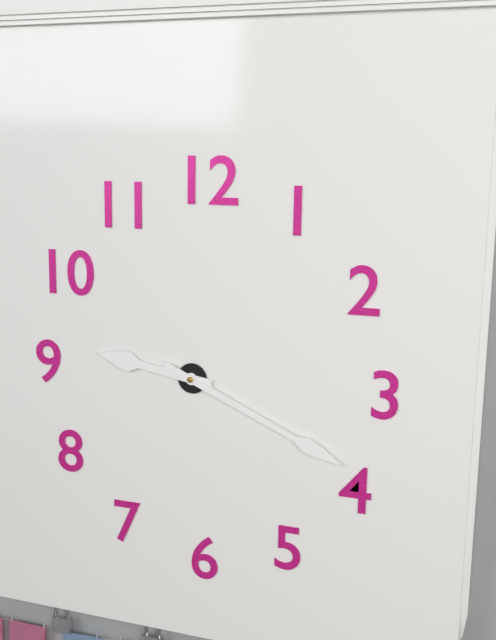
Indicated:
h=9 m=19
